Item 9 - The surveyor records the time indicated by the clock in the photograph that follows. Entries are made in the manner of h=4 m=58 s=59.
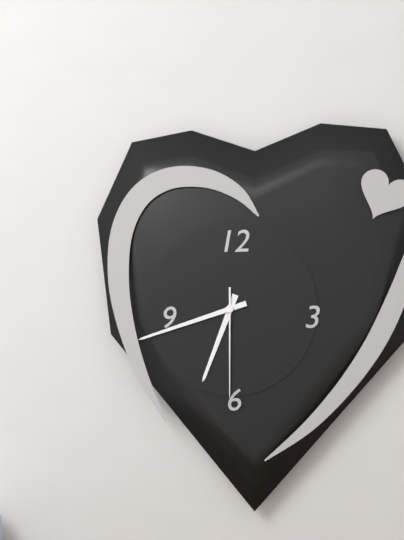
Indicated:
h=6 m=42 s=30
